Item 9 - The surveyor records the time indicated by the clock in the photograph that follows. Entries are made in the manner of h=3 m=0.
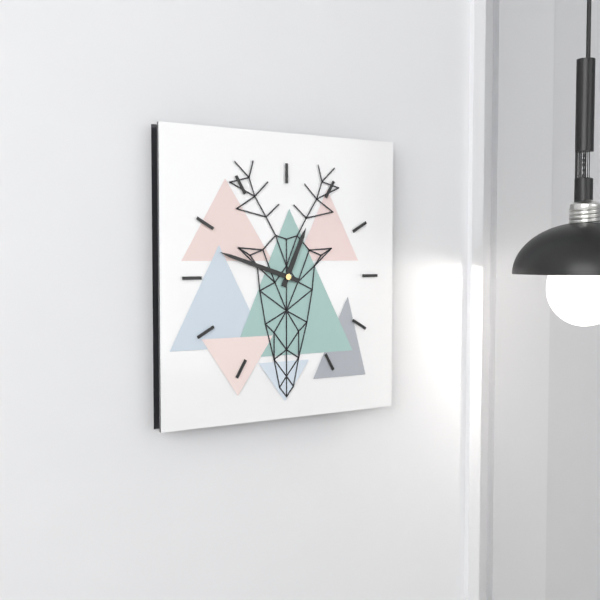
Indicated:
h=12 m=48
